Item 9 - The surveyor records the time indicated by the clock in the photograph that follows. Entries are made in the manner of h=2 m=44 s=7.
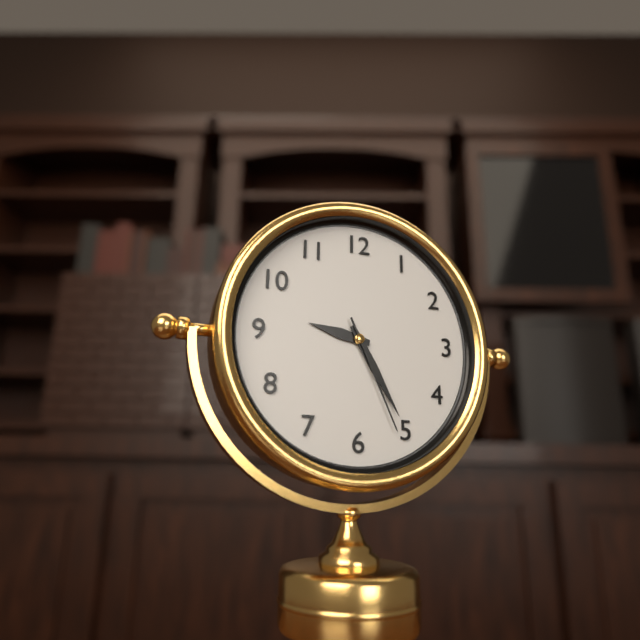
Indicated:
h=9 m=25 s=26
